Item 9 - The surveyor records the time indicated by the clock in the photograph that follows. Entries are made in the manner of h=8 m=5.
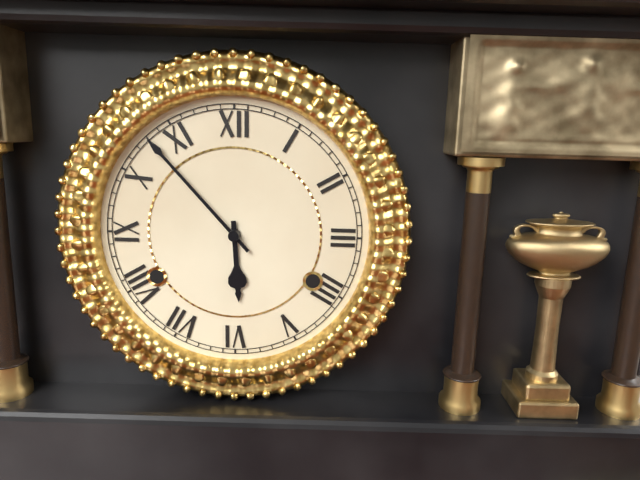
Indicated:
h=5 m=53
